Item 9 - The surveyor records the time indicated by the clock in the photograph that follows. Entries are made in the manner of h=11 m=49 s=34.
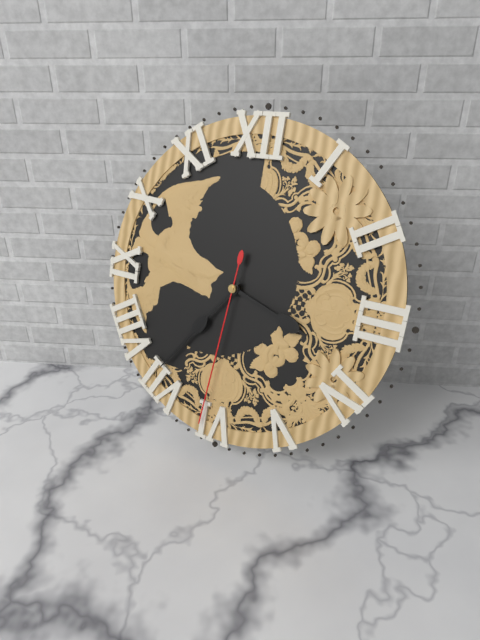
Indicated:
h=3 m=36 s=31
